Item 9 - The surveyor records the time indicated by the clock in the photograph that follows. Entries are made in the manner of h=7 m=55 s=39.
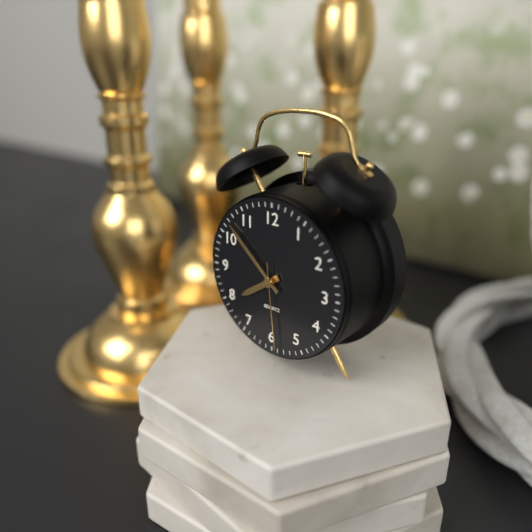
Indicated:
h=7 m=52 s=29
